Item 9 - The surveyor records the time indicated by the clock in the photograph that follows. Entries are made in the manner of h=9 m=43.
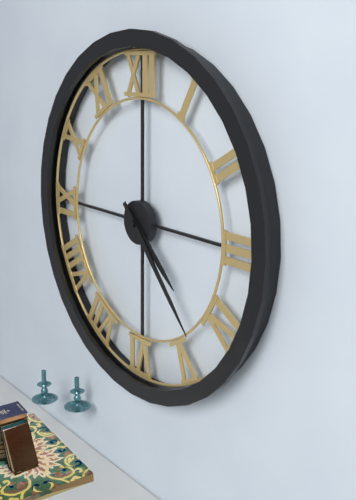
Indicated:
h=4 m=23
